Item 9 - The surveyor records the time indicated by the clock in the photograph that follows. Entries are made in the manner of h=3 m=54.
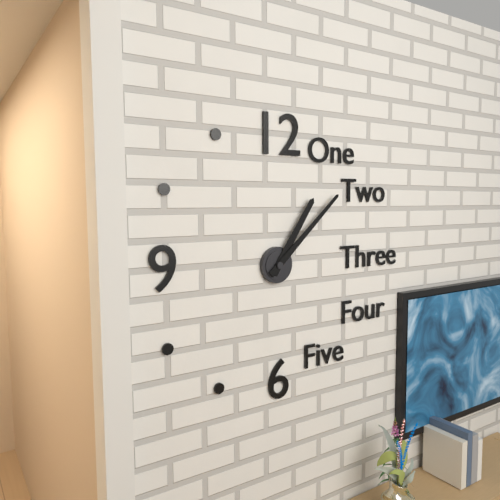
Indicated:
h=1 m=8
